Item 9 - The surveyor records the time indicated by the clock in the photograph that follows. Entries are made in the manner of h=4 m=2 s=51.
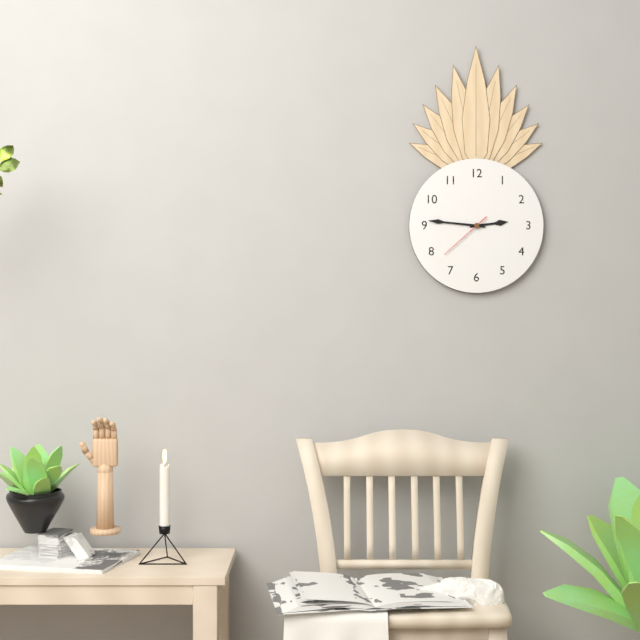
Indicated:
h=2 m=46 s=38
